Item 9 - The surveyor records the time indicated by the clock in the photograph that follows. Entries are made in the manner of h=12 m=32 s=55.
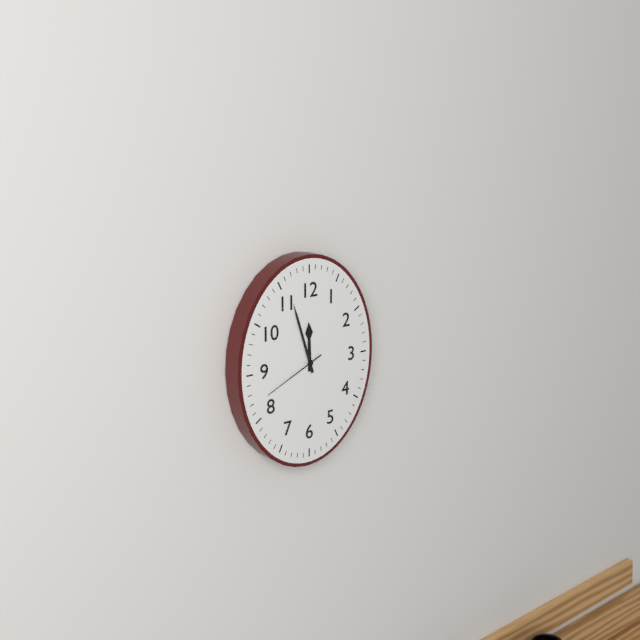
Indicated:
h=11 m=57 s=41
